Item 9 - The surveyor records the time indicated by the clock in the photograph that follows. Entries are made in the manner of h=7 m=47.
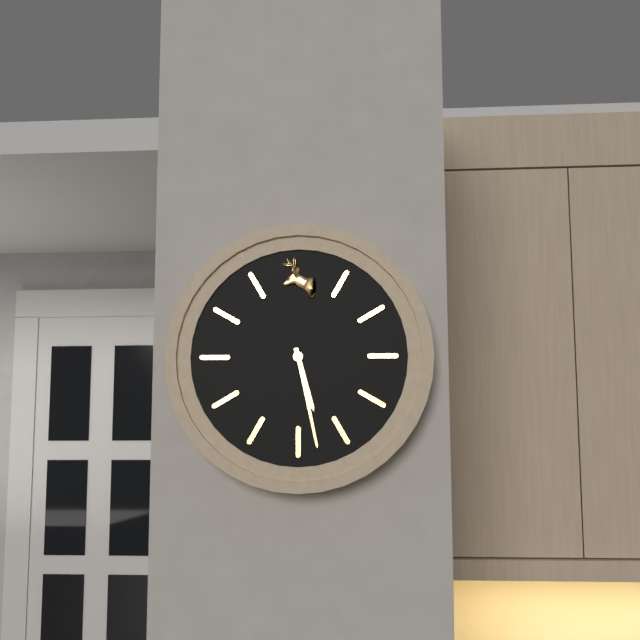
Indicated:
h=5 m=28
